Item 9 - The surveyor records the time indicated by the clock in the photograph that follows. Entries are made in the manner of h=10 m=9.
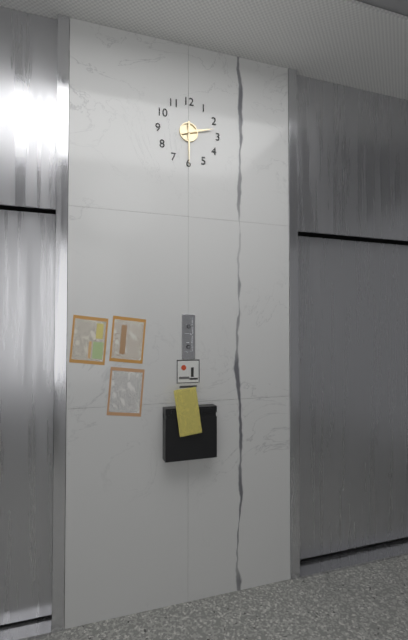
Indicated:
h=2 m=30
